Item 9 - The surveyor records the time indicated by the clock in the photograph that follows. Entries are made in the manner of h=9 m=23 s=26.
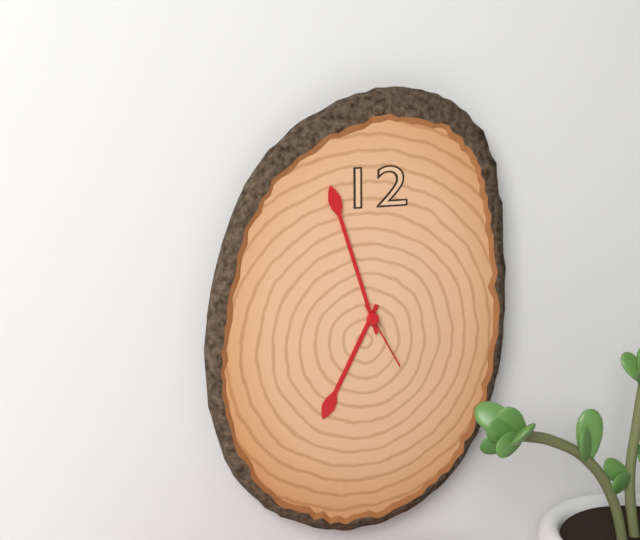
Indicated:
h=6 m=57 s=25
